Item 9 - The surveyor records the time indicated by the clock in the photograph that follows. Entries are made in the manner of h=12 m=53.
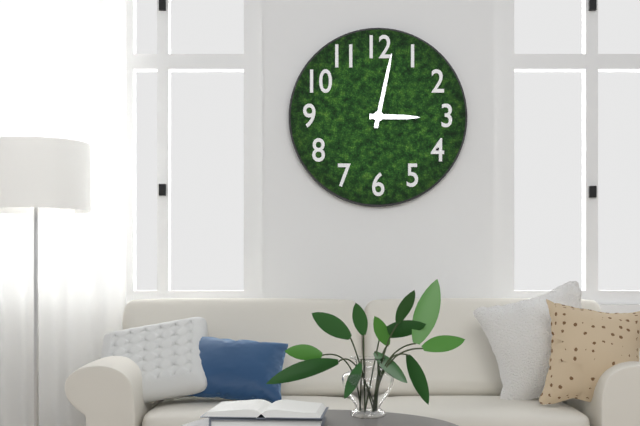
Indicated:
h=3 m=2
